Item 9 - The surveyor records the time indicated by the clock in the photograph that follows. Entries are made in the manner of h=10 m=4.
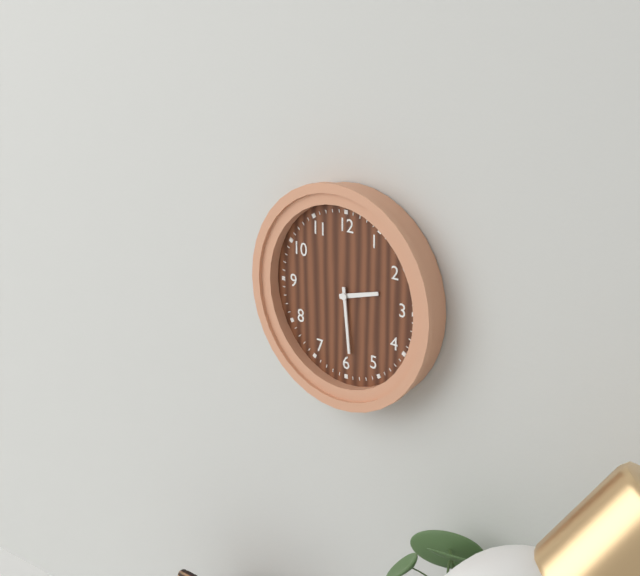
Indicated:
h=2 m=29
